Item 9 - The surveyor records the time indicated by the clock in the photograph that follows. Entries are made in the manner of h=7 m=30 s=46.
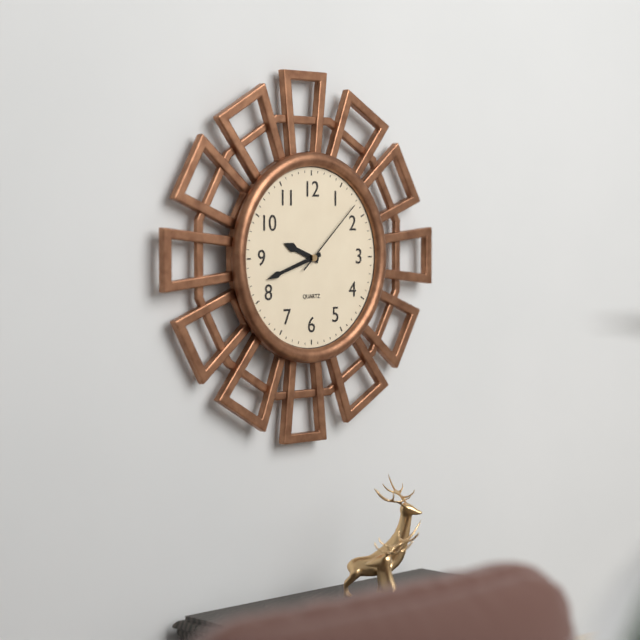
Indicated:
h=9 m=42 s=8
